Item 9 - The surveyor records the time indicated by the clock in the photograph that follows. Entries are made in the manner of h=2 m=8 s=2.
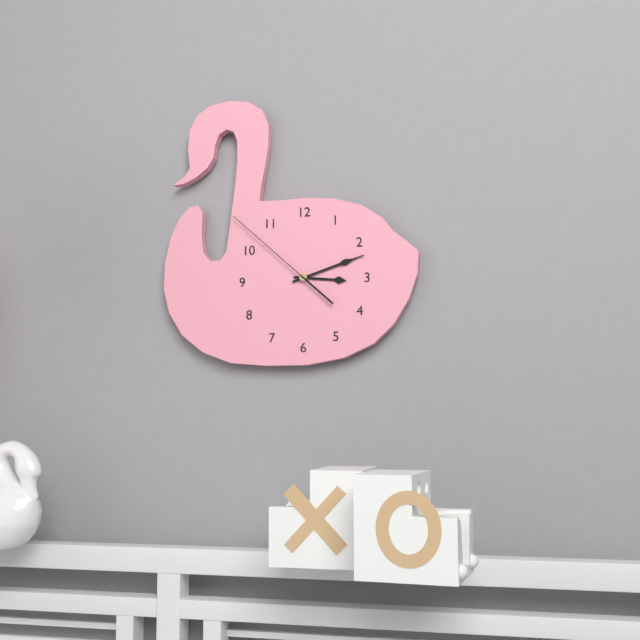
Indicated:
h=3 m=12 s=52
